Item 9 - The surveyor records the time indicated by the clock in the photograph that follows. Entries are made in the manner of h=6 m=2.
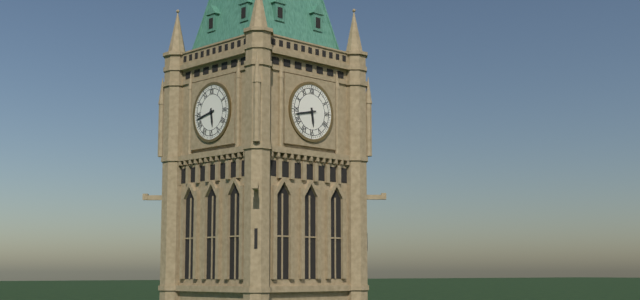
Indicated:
h=5 m=43
